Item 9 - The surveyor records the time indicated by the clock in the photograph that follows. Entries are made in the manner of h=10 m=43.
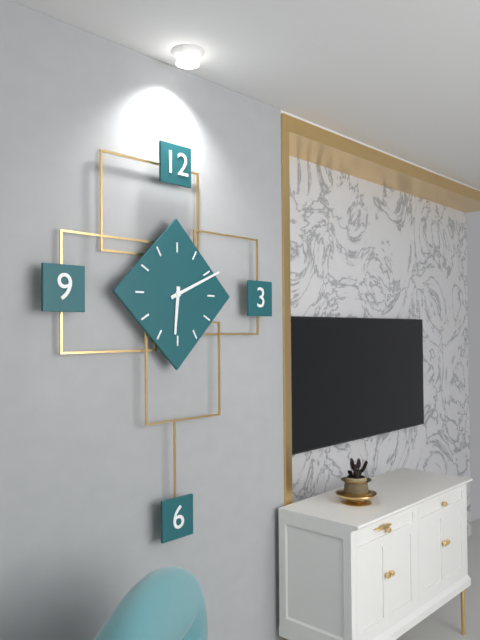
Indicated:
h=6 m=11
